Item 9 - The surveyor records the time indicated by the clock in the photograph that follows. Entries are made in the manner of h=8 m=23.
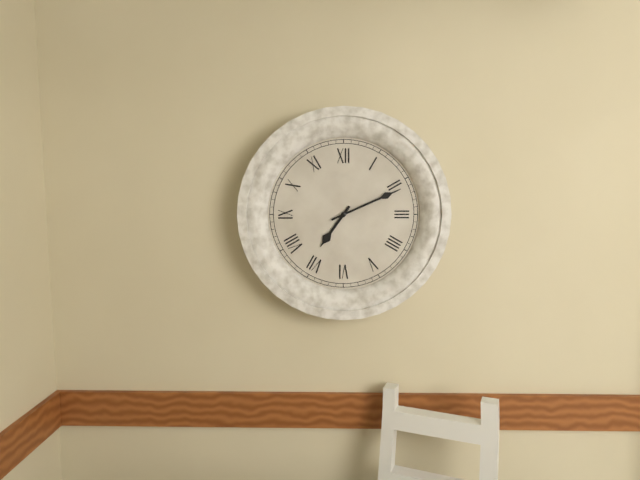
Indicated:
h=7 m=11
